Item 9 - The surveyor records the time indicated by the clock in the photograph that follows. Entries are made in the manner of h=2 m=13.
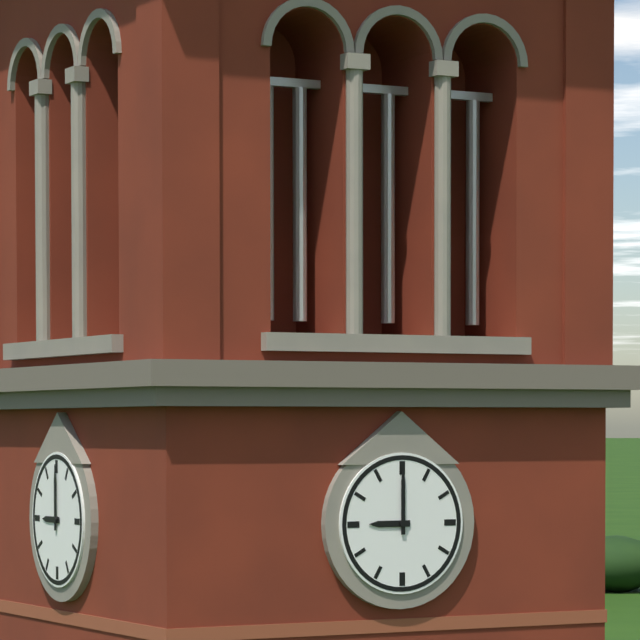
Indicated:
h=9 m=0
